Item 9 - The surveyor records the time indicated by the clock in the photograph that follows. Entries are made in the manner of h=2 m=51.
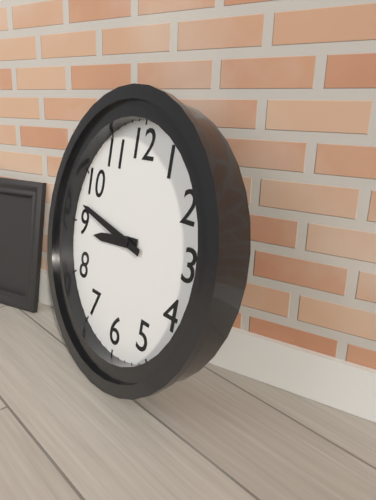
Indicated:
h=8 m=47
